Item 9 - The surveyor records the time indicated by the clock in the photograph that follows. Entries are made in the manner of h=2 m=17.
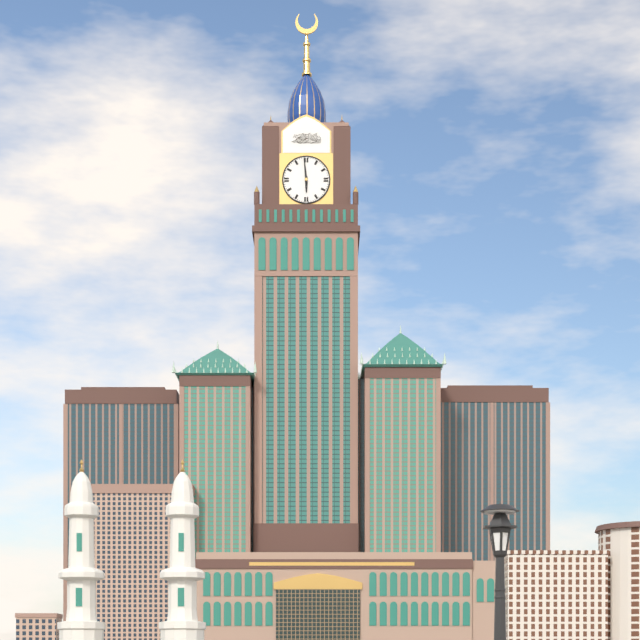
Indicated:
h=5 m=59
